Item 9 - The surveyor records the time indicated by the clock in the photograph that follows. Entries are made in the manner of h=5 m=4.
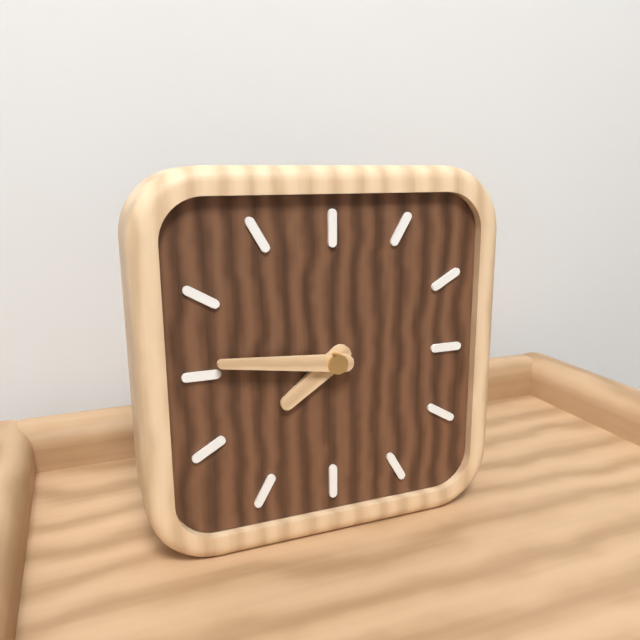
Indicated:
h=7 m=46
